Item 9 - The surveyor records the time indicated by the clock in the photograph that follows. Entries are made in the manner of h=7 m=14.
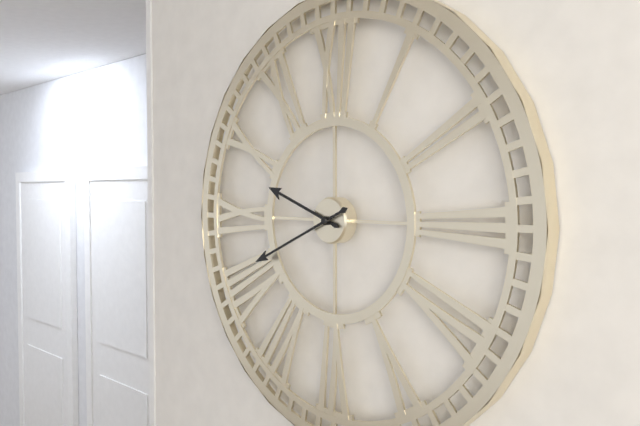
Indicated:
h=9 m=41
